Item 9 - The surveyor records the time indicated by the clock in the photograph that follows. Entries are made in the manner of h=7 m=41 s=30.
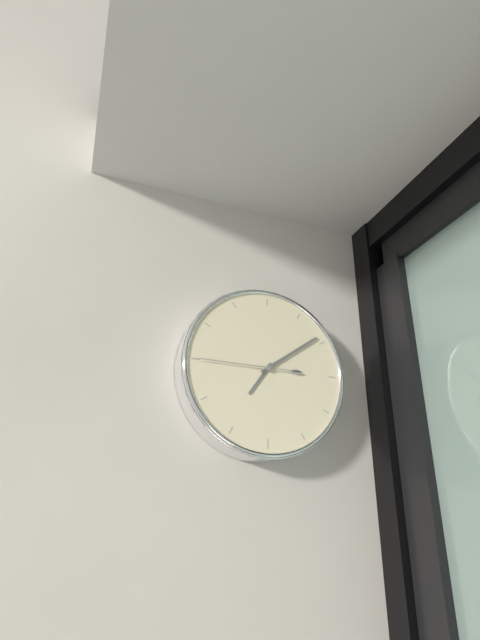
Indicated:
h=7 m=9 s=45
